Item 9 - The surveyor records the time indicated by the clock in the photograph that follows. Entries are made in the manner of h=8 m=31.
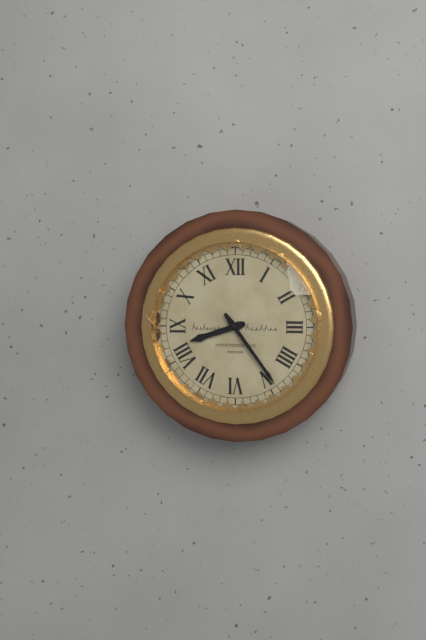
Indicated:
h=8 m=24
